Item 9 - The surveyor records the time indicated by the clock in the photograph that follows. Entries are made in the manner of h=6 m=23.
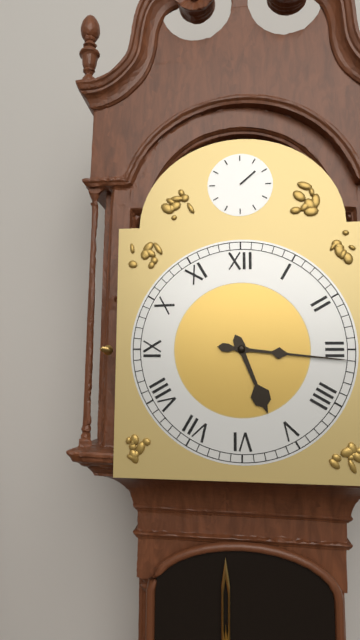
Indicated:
h=5 m=16
